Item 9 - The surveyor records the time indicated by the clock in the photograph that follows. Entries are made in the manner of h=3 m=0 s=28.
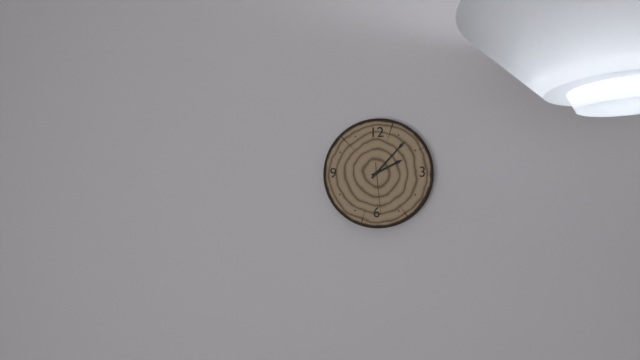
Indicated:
h=2 m=7 s=29
